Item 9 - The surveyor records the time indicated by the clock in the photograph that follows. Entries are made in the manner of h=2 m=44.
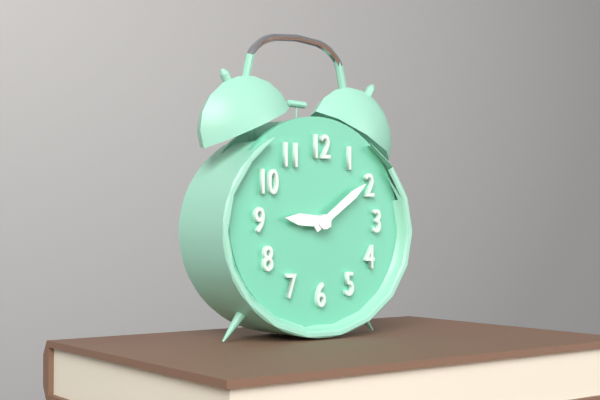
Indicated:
h=9 m=9
